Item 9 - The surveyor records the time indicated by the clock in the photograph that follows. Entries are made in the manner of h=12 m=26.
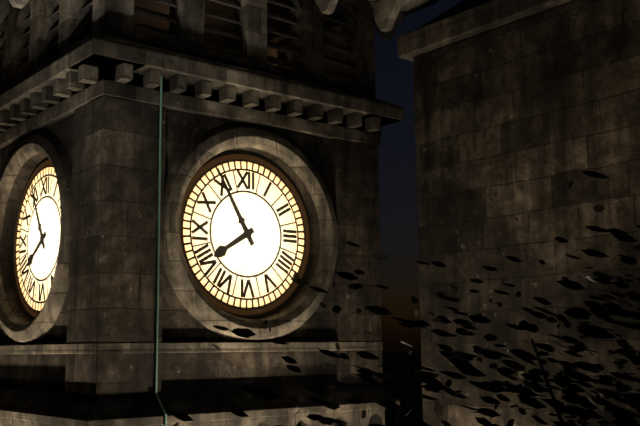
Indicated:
h=7 m=55
